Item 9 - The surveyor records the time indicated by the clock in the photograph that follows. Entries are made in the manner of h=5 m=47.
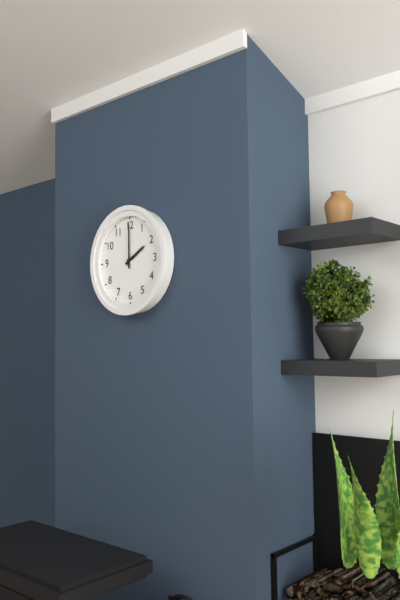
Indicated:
h=2 m=0
